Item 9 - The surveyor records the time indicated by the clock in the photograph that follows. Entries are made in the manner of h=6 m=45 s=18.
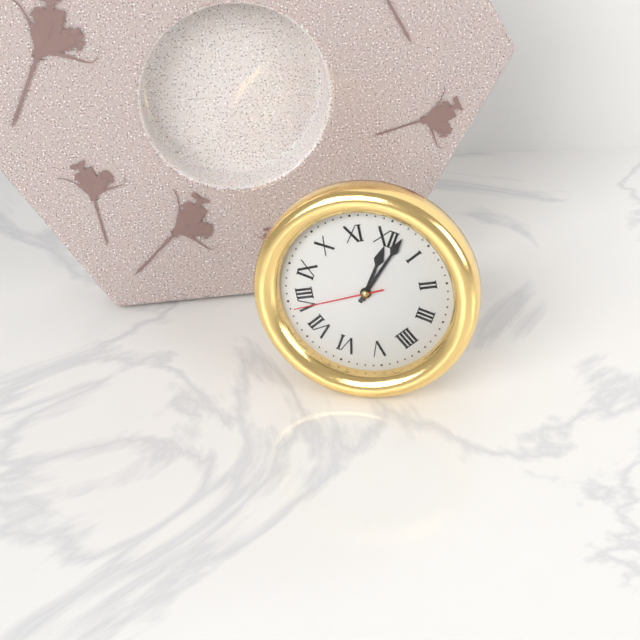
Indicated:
h=12 m=2 s=39
